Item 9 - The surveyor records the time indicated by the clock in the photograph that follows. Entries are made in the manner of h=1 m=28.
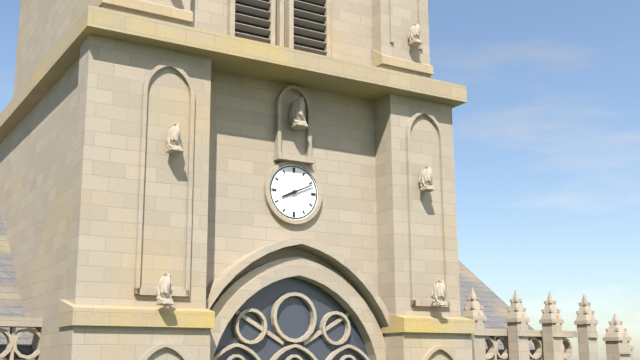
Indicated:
h=8 m=11
